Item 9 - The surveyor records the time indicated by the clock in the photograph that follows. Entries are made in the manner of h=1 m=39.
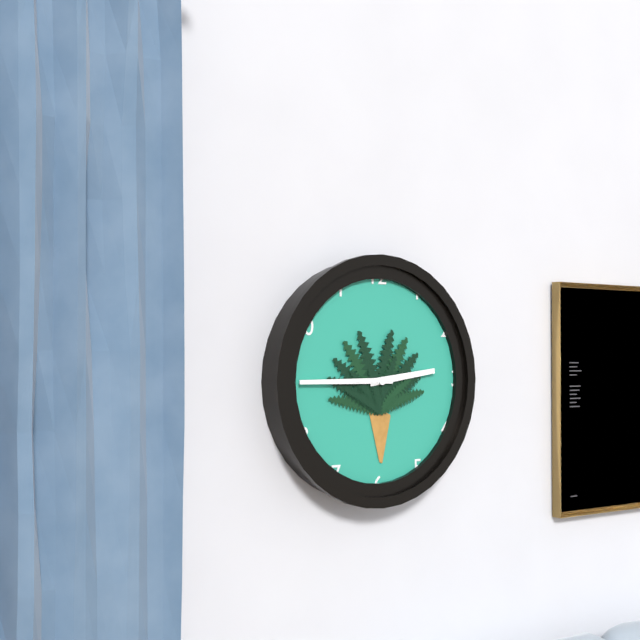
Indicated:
h=2 m=45
